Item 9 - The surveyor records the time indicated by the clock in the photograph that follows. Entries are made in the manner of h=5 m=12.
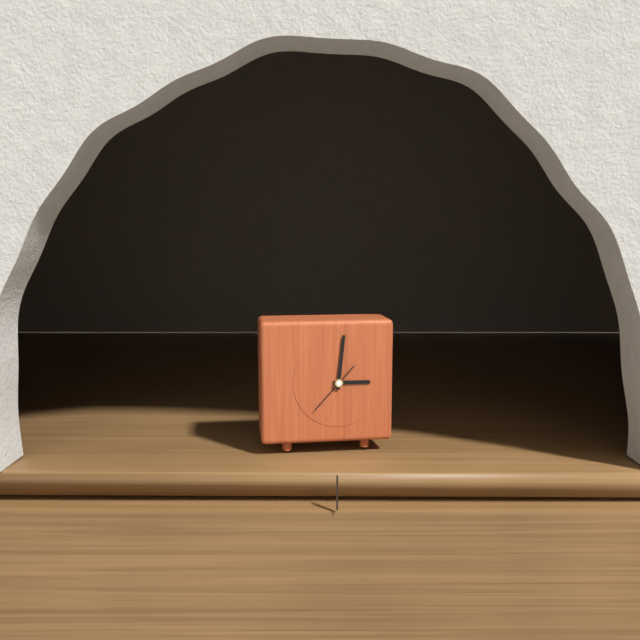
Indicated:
h=3 m=1
